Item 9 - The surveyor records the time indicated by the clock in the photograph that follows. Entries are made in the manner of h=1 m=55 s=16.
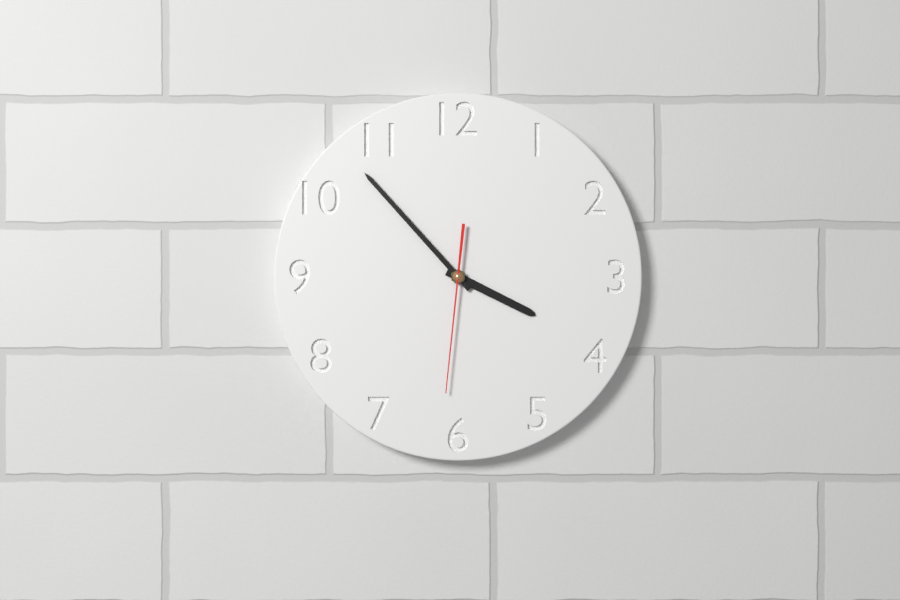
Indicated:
h=3 m=53 s=31
